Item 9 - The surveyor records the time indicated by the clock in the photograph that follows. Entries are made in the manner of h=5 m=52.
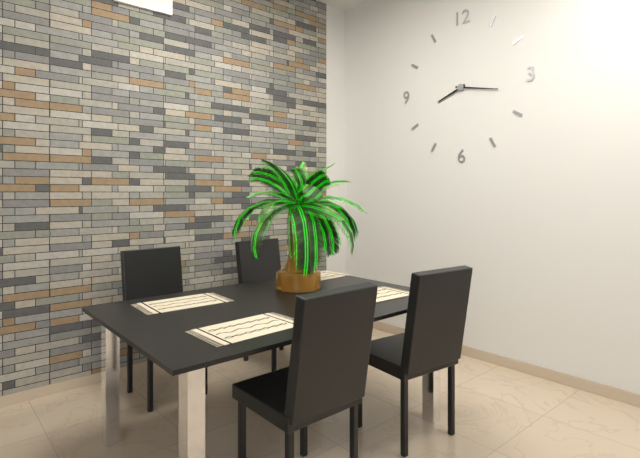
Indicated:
h=8 m=17
